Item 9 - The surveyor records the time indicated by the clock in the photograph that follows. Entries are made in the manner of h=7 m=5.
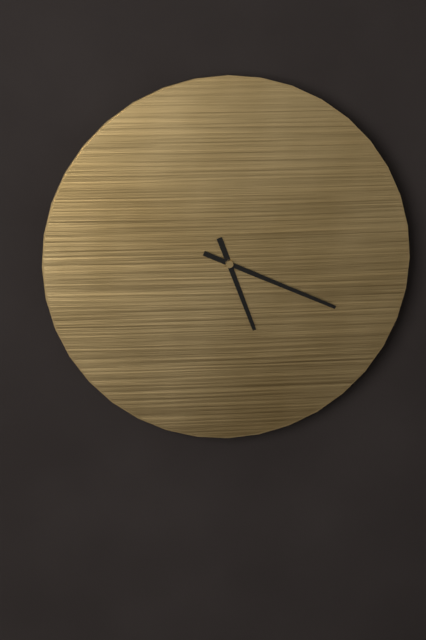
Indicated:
h=5 m=19
